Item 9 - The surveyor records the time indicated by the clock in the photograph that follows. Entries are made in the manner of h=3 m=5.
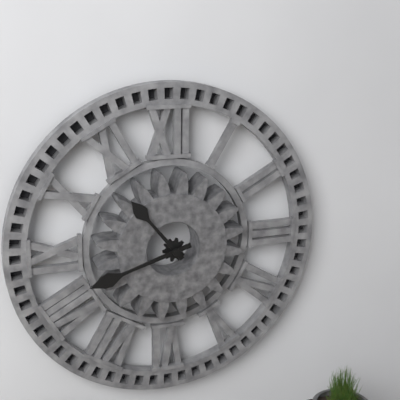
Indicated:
h=10 m=42
